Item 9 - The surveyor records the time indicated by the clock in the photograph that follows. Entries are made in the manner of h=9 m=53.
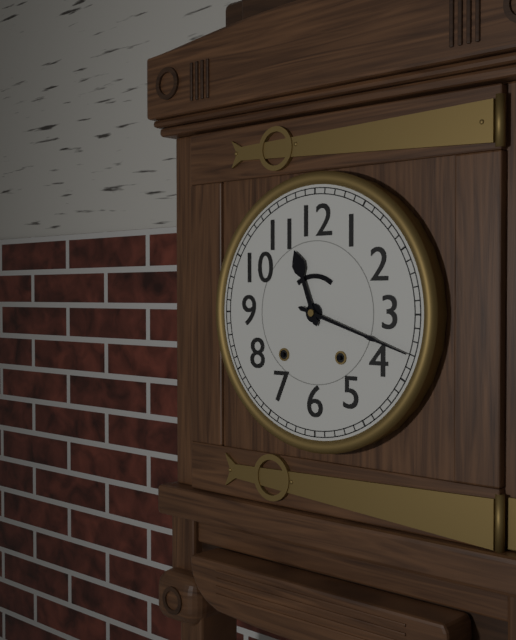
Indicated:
h=11 m=18
